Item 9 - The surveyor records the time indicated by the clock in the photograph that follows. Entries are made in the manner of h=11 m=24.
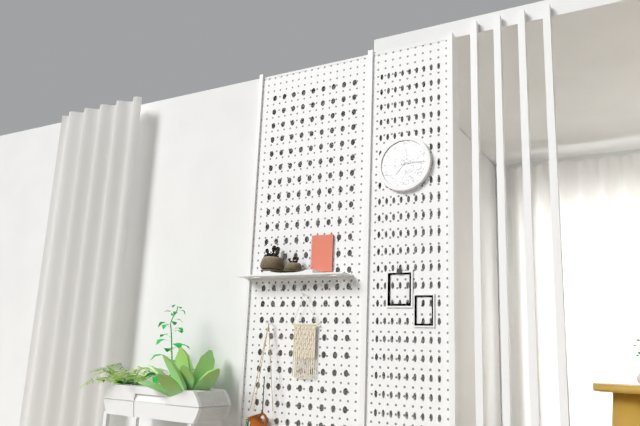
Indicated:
h=7 m=15
